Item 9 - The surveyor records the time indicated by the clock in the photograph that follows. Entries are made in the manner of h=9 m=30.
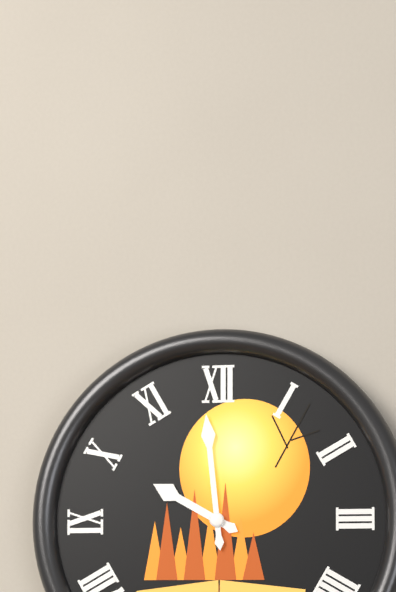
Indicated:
h=9 m=59
